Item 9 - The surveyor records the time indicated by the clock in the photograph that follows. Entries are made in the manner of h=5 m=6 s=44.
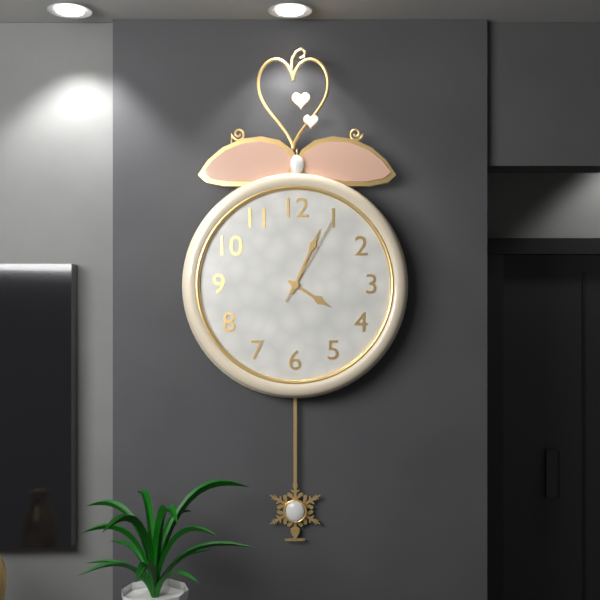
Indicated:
h=4 m=4 s=5
